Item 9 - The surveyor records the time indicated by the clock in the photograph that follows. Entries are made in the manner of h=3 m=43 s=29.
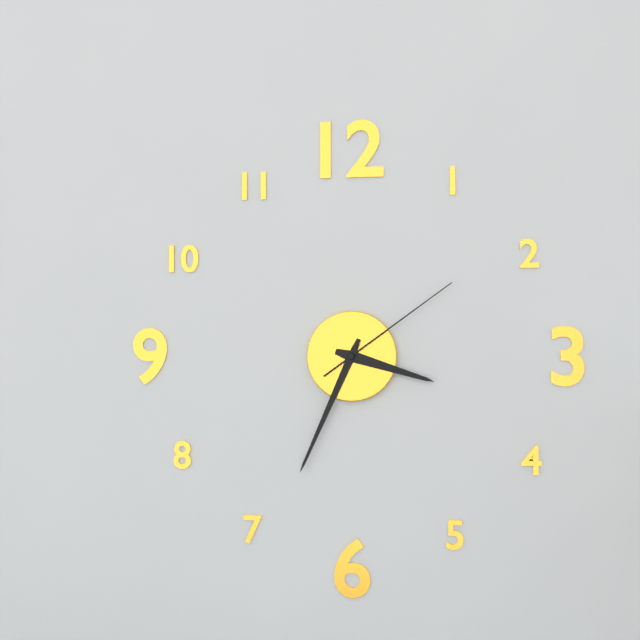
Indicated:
h=3 m=34 s=9
